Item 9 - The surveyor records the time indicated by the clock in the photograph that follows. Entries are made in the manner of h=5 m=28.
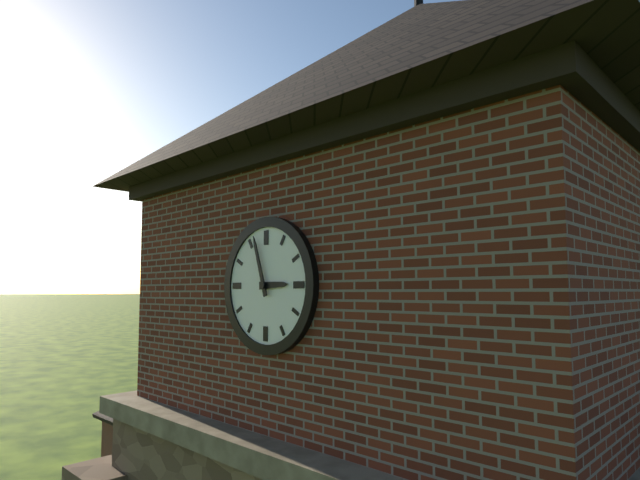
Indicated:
h=2 m=57
